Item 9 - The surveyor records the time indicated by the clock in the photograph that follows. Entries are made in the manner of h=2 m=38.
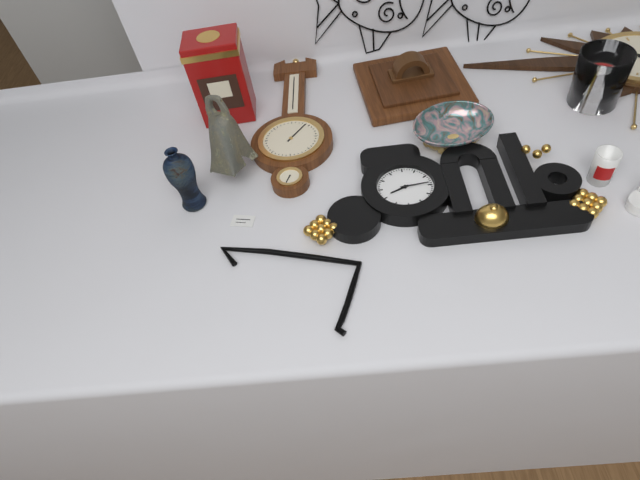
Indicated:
h=8 m=14
